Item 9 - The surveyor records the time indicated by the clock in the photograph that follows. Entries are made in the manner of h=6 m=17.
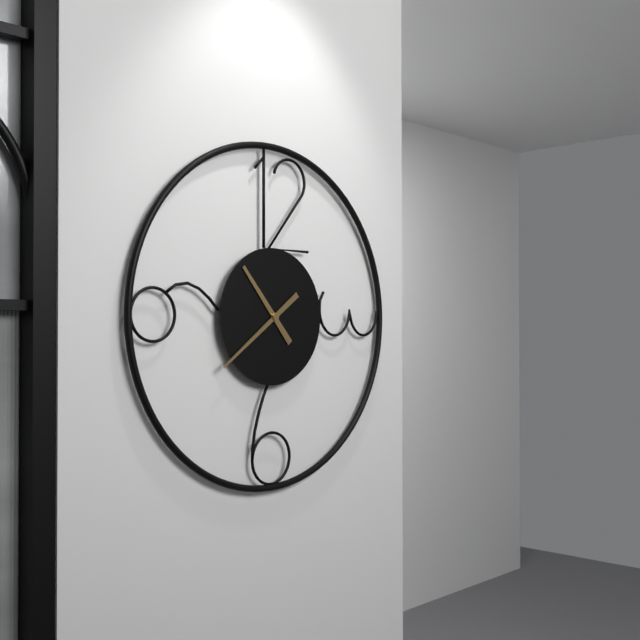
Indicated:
h=10 m=39
